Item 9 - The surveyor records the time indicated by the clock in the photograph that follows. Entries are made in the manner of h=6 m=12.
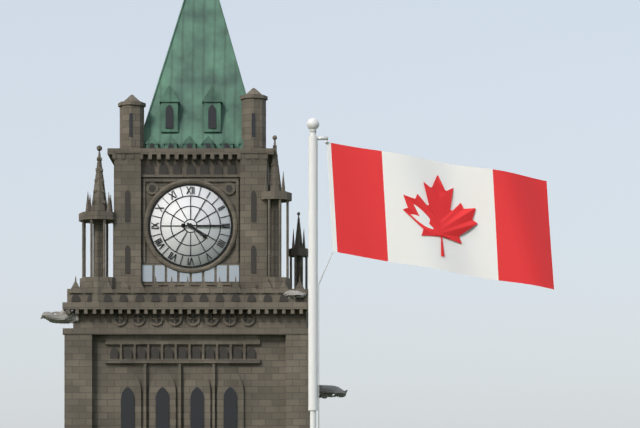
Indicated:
h=4 m=15
